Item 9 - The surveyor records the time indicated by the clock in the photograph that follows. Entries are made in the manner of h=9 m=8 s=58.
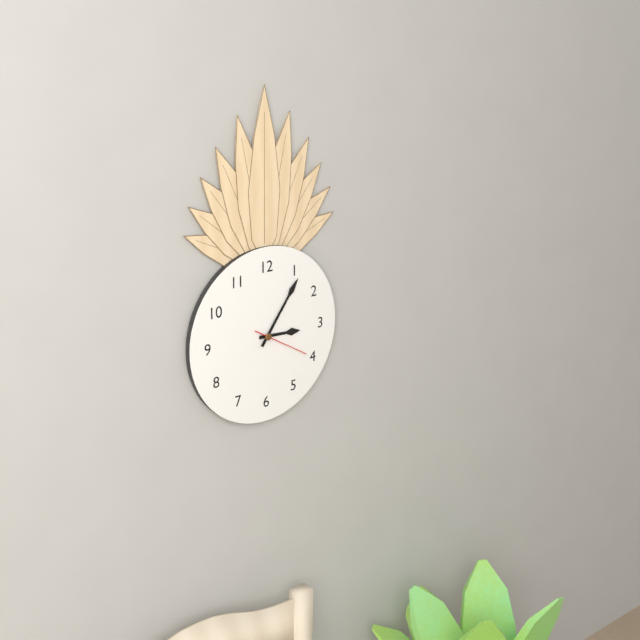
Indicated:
h=3 m=6 s=20
